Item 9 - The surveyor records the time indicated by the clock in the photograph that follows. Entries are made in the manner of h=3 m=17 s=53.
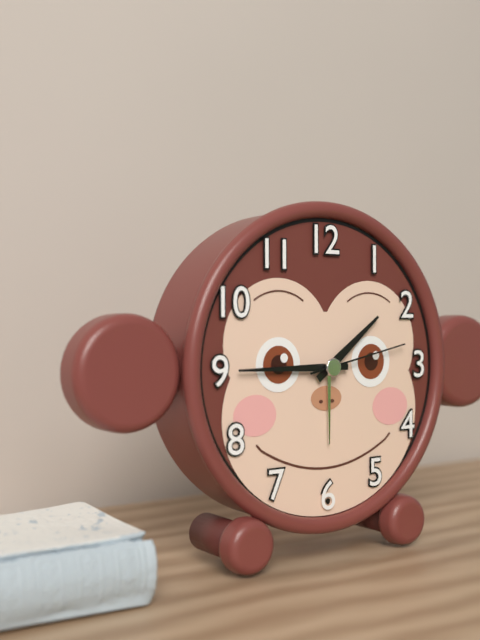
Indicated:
h=1 m=45 s=13
